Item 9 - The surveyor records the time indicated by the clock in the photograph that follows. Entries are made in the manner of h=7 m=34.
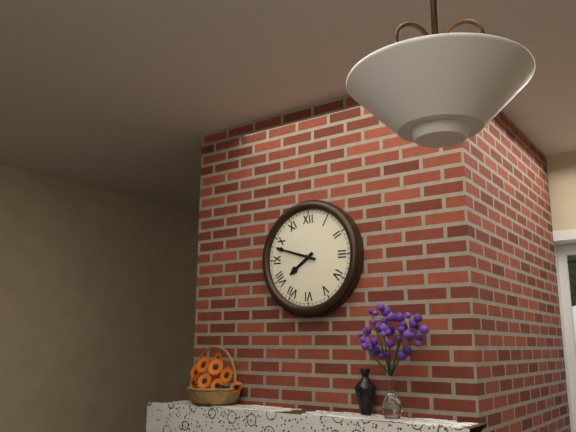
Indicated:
h=7 m=48
